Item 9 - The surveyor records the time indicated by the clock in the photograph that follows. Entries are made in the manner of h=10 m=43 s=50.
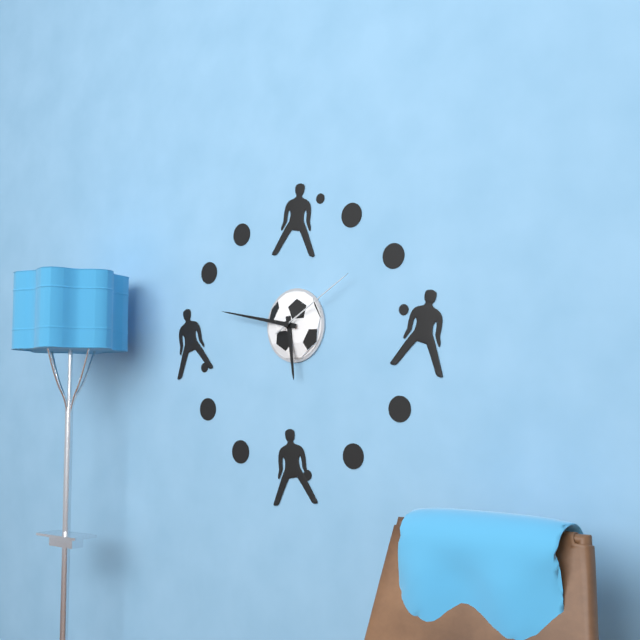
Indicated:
h=5 m=47 s=10
